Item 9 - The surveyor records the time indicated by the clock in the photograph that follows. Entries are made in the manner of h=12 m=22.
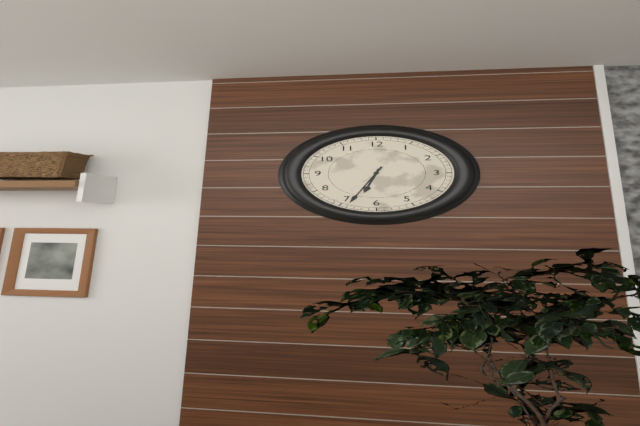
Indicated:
h=6 m=34
